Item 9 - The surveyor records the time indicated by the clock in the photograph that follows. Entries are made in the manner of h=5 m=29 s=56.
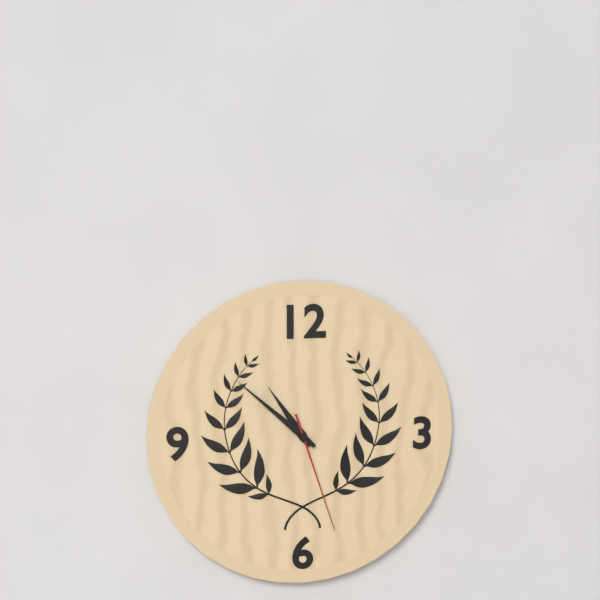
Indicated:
h=10 m=52 s=27
